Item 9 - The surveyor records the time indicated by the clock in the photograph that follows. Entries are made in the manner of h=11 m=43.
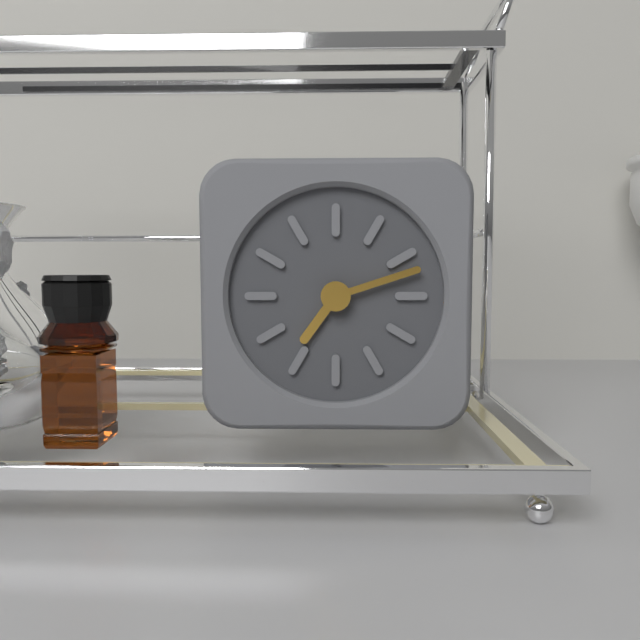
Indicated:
h=7 m=12
